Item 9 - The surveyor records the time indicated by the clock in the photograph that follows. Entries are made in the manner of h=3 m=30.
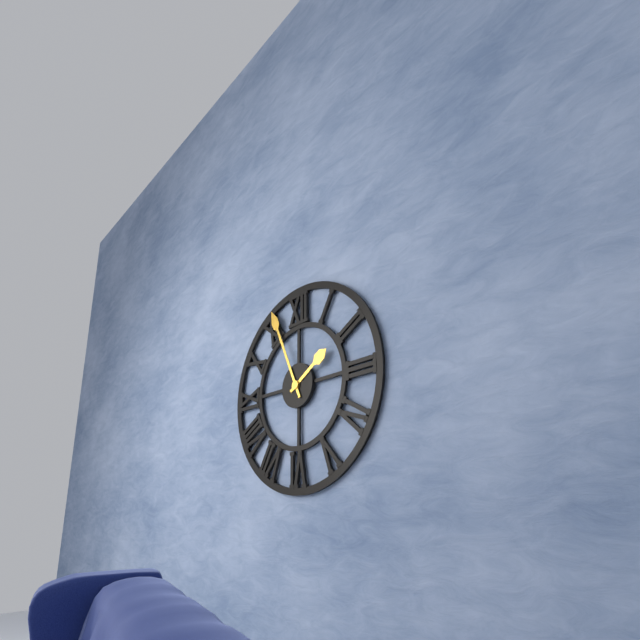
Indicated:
h=1 m=56
